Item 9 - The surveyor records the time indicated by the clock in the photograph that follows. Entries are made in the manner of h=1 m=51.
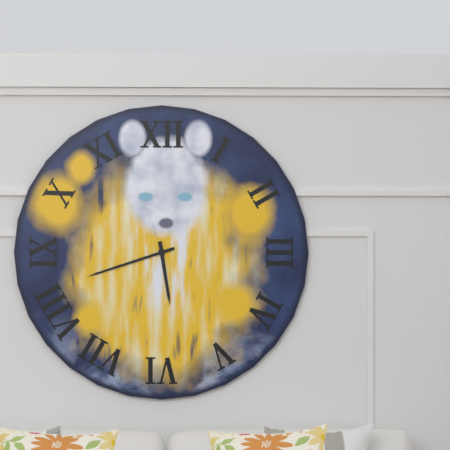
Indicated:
h=5 m=42
